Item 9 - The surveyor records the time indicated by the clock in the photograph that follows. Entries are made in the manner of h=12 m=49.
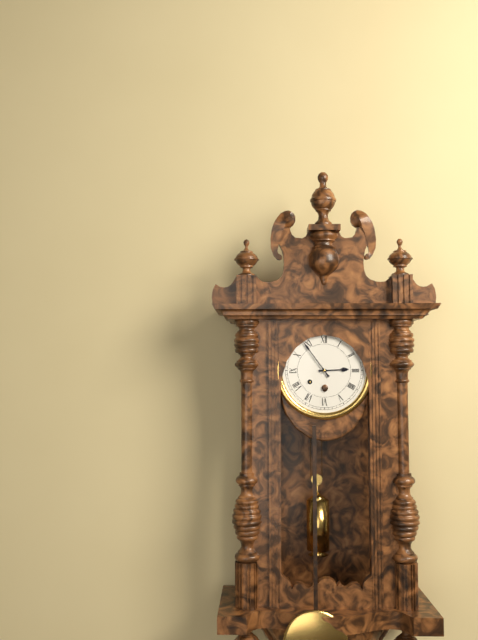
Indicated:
h=2 m=54
